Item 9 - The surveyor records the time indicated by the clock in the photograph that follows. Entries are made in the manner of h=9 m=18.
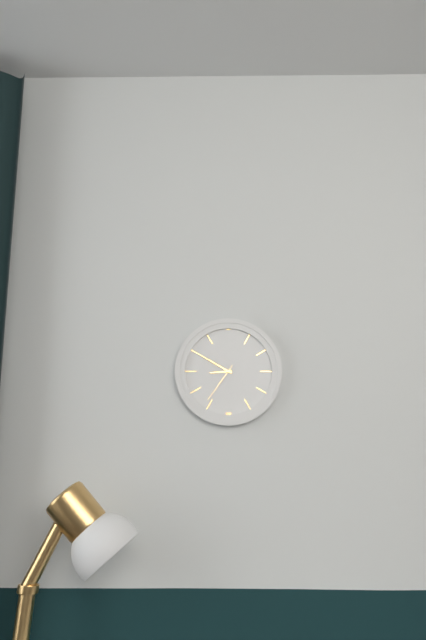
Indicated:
h=8 m=50
